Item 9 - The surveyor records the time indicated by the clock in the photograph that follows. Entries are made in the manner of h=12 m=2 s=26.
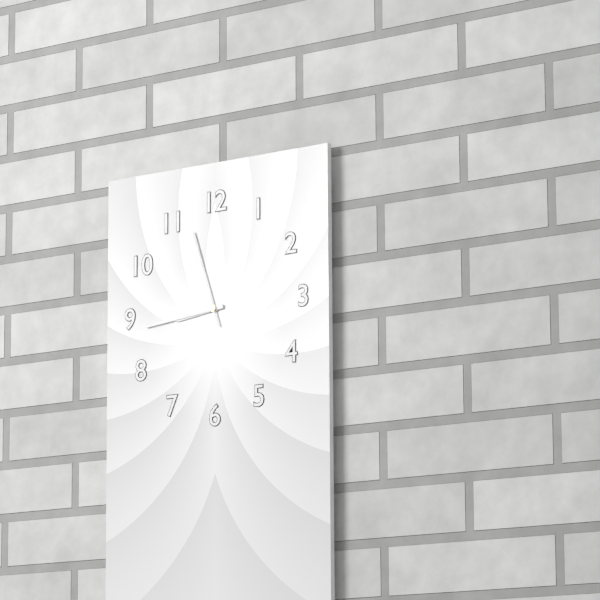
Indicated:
h=8 m=44 s=57
